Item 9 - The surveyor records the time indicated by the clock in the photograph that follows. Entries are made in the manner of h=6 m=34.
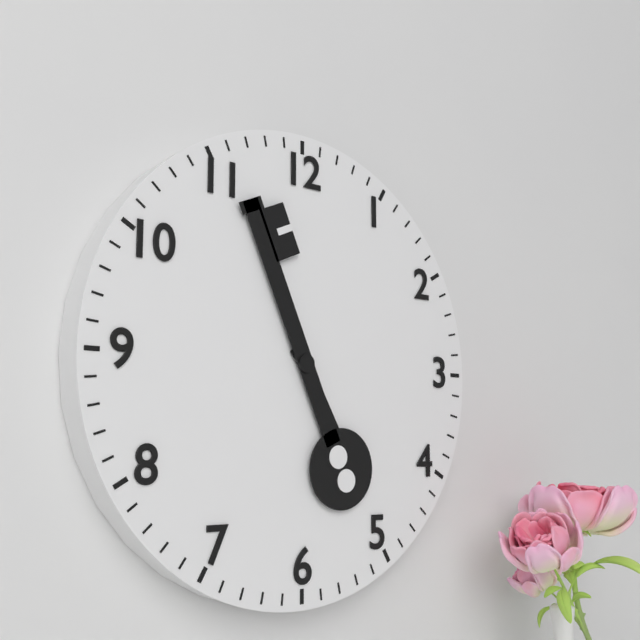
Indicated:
h=4 m=56
